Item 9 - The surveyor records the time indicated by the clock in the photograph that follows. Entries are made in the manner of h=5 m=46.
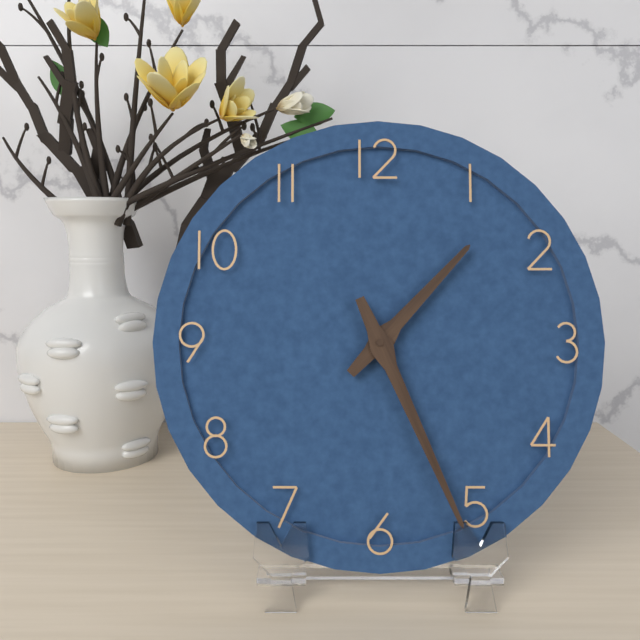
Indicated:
h=1 m=26
